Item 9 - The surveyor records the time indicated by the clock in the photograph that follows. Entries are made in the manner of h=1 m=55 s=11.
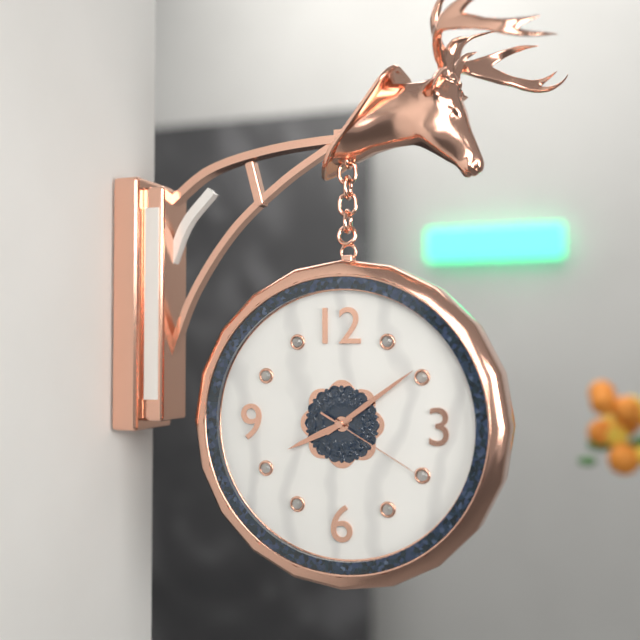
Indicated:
h=8 m=9 s=20
